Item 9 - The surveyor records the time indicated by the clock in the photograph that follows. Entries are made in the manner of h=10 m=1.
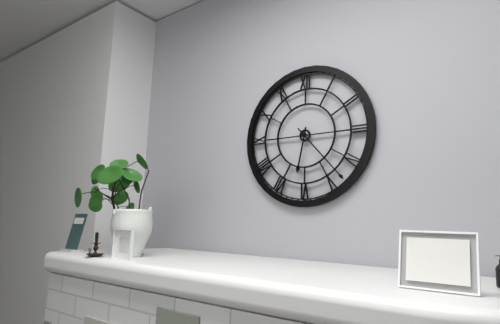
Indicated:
h=6 m=23
